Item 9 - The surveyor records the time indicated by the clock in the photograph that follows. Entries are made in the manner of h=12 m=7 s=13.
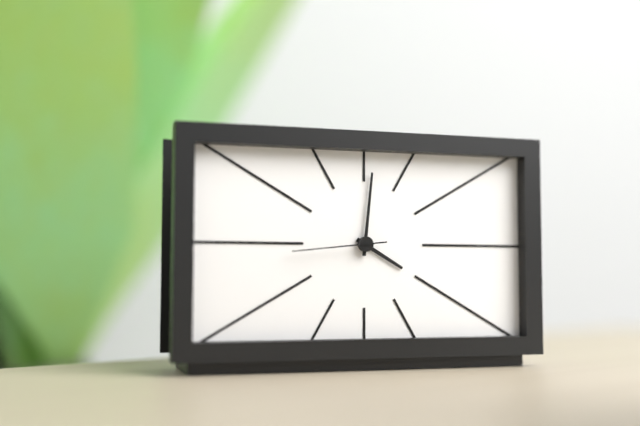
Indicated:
h=4 m=1 s=44
